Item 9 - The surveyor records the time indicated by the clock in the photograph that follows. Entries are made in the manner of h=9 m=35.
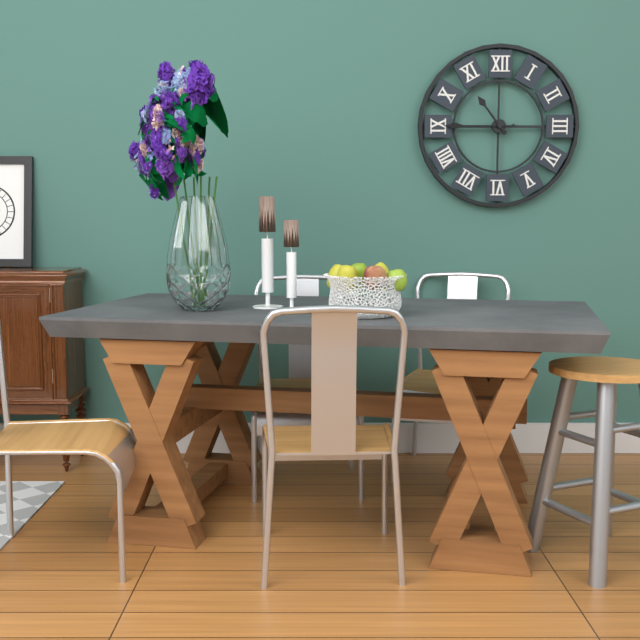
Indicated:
h=10 m=45
